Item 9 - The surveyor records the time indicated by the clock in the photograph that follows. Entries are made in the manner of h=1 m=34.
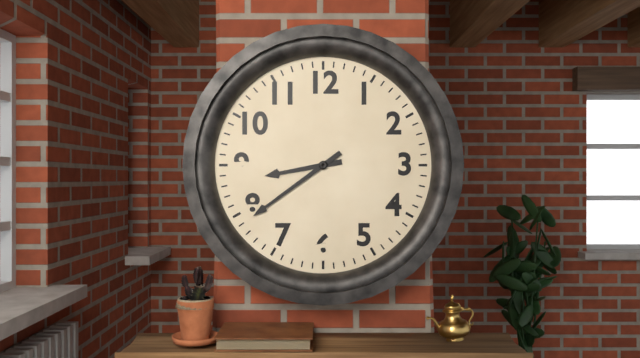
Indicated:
h=8 m=39
